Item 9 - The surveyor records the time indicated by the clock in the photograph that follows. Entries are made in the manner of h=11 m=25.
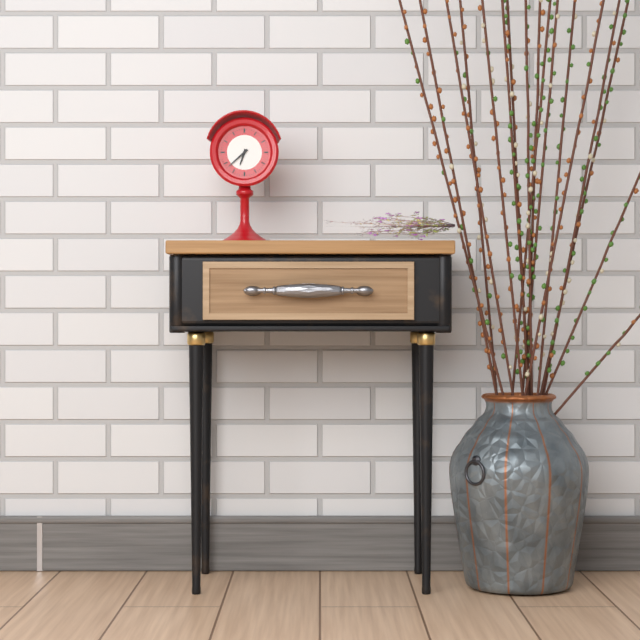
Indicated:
h=6 m=38
